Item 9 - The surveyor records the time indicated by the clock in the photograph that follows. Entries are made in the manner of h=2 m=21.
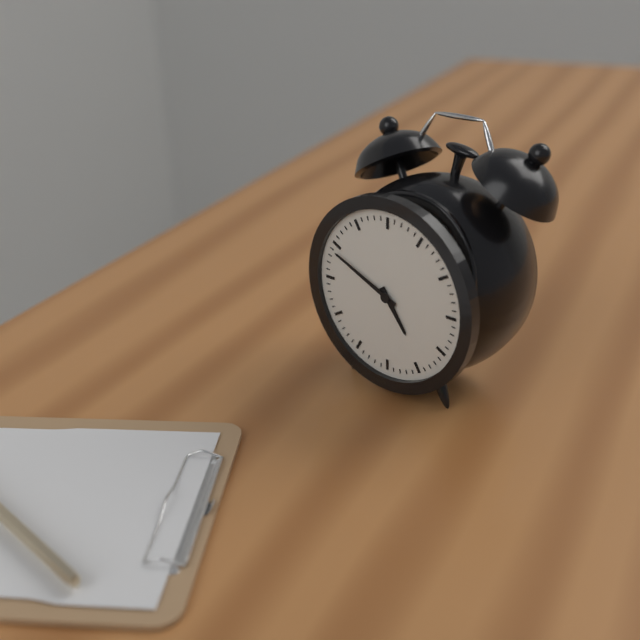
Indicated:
h=4 m=49
